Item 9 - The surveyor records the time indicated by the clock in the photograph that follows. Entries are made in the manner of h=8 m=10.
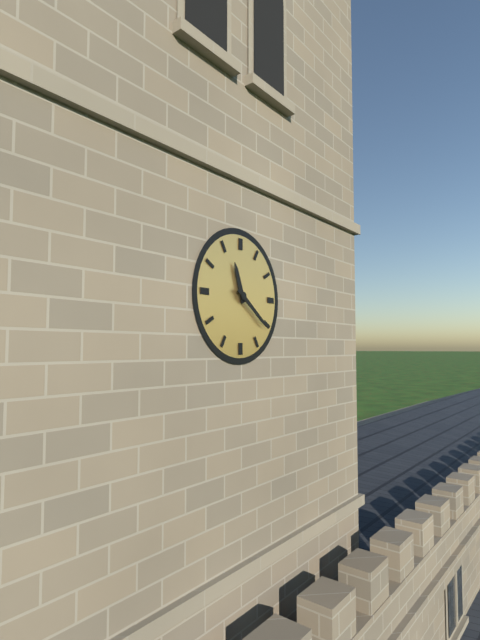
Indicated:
h=11 m=21
